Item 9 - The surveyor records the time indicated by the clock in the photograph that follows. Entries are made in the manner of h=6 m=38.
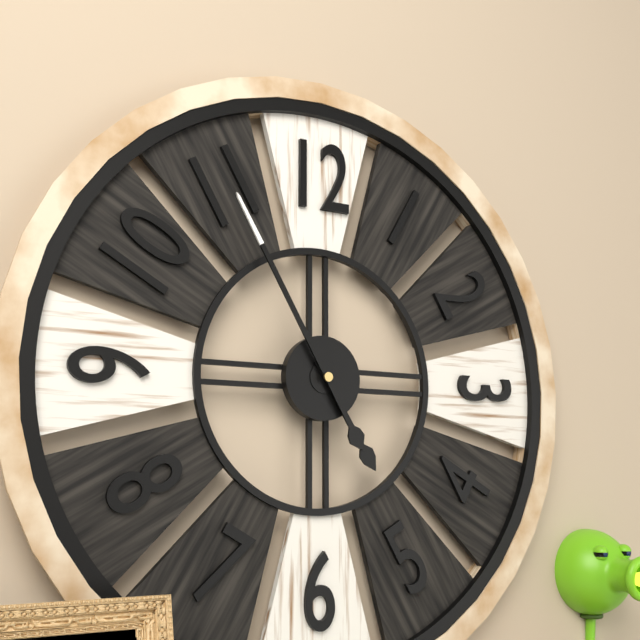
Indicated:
h=4 m=55
